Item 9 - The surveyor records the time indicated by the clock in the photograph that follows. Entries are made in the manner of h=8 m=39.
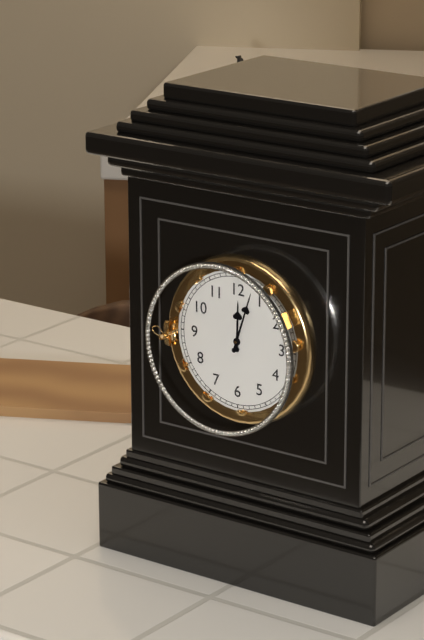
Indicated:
h=12 m=3
